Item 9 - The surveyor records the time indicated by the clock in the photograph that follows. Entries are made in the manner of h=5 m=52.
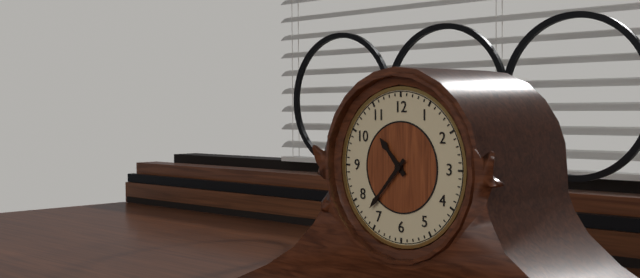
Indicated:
h=10 m=37
